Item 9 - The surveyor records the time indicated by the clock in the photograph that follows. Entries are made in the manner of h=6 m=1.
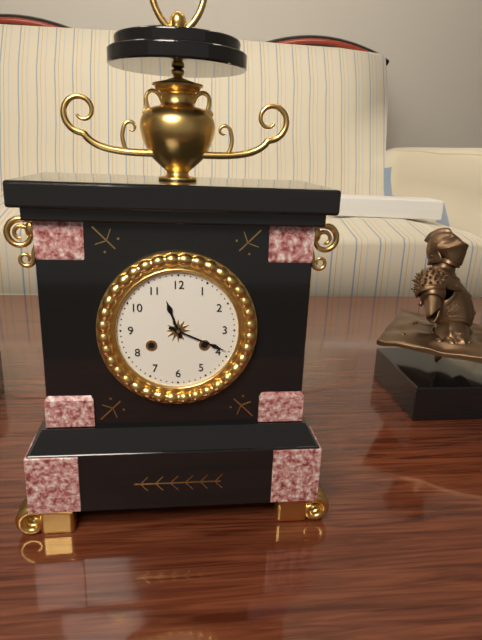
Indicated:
h=11 m=19
